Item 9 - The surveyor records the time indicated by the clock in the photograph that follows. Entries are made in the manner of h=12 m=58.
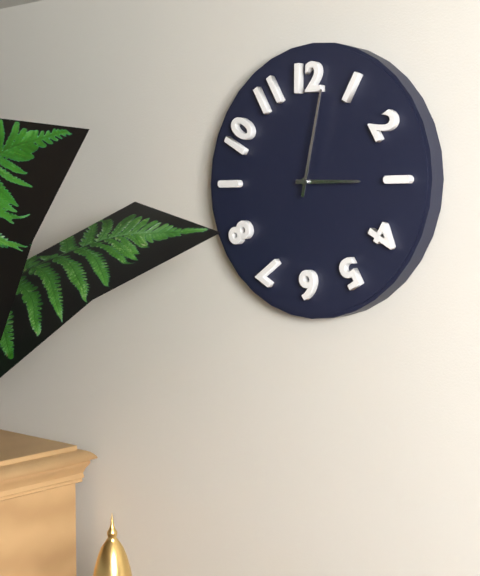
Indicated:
h=3 m=2
